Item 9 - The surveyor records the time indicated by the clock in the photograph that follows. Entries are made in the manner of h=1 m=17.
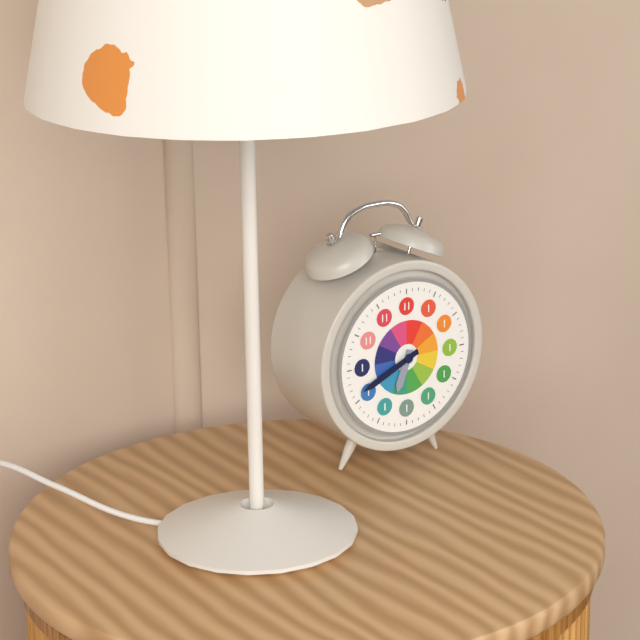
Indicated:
h=6 m=41
